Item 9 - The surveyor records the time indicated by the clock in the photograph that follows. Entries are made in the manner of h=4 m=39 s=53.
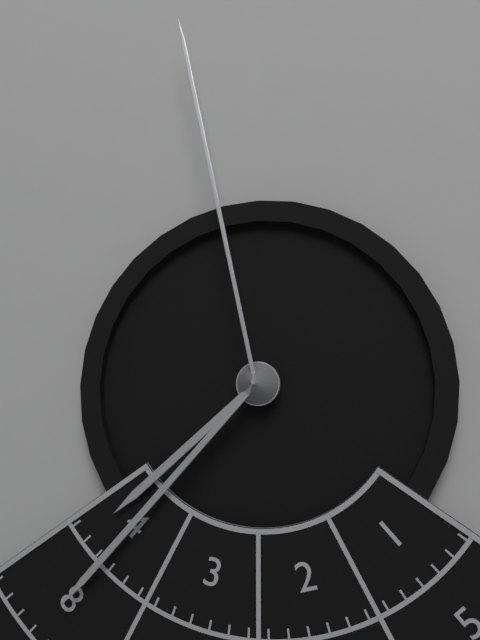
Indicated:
h=7 m=37 s=58
